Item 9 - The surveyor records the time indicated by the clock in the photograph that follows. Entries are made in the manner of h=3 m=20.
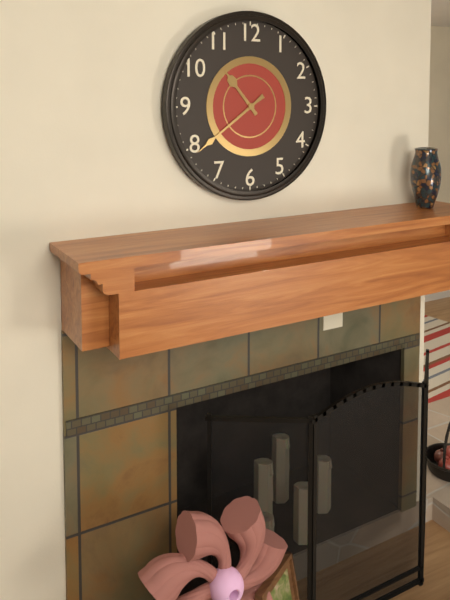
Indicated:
h=10 m=39
